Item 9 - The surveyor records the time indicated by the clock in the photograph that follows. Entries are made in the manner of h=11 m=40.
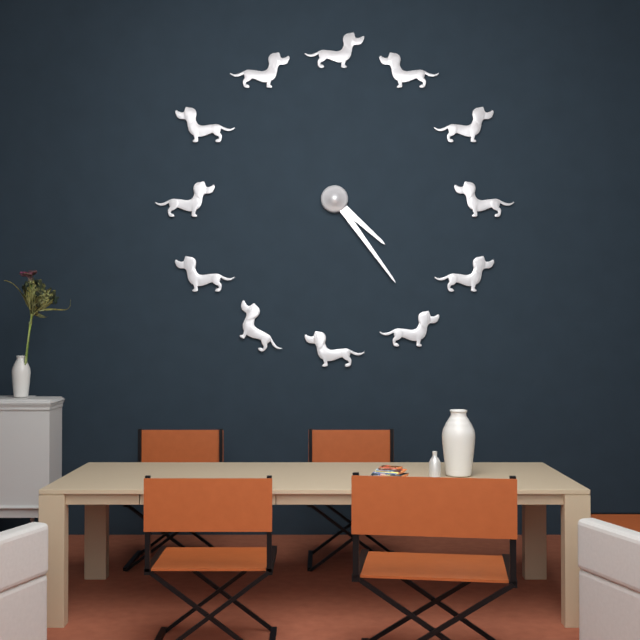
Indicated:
h=4 m=24
